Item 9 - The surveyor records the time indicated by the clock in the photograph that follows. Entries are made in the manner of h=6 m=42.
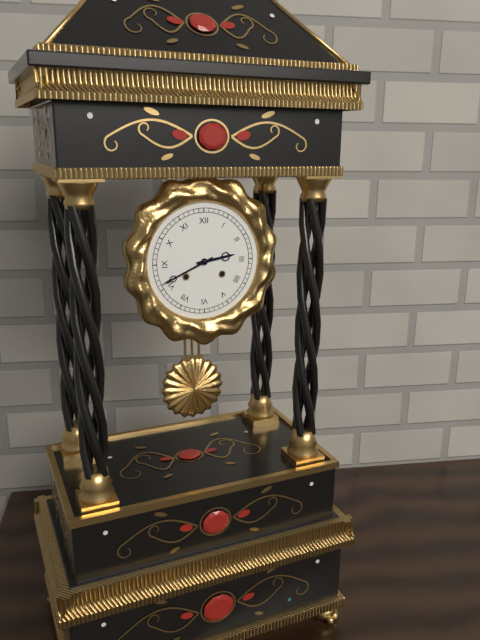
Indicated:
h=2 m=41
